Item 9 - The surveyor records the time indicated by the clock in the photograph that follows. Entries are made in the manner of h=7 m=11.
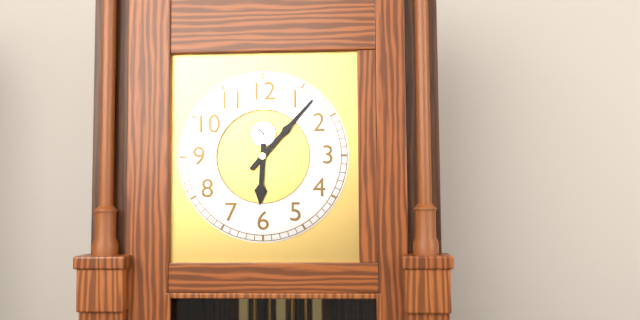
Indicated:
h=6 m=7
